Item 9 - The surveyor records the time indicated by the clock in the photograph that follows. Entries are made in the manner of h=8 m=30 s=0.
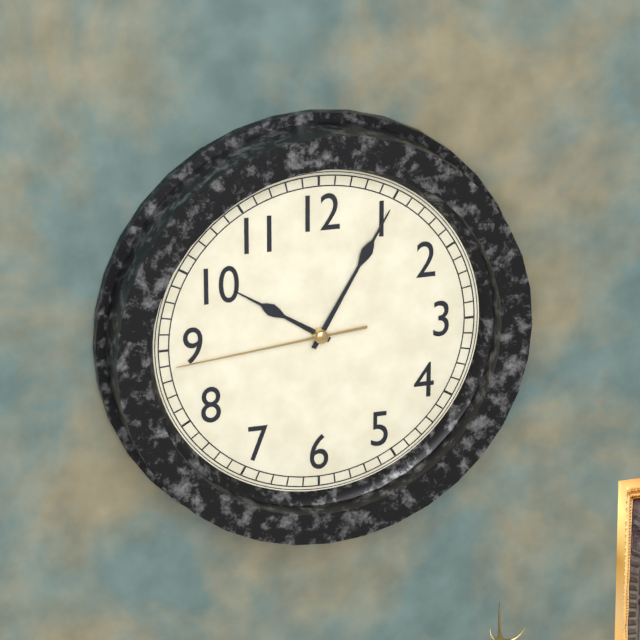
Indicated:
h=10 m=5 s=44
